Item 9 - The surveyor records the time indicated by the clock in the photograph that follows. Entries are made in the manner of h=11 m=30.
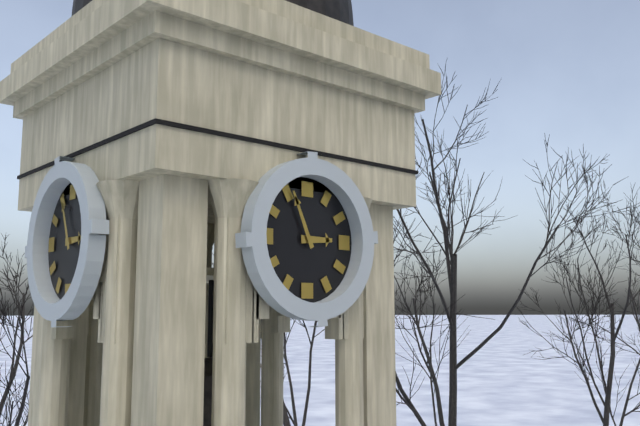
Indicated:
h=2 m=56
